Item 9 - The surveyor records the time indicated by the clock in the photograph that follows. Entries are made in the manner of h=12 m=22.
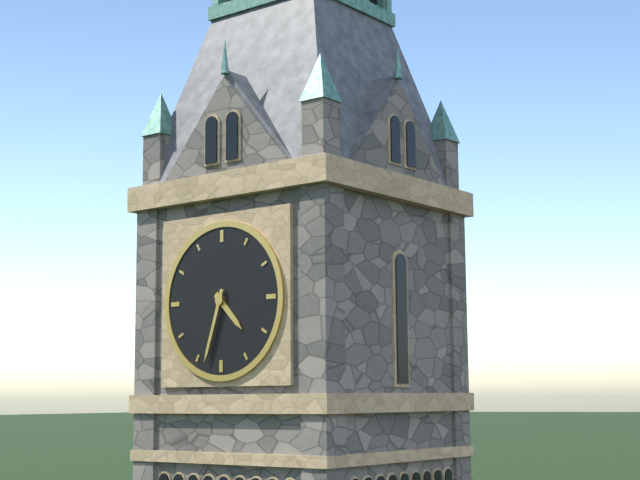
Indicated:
h=4 m=33
